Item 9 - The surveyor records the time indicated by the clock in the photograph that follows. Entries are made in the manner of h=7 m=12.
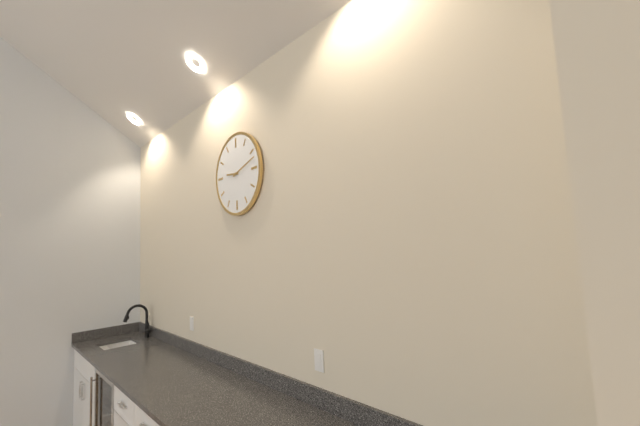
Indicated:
h=9 m=12
